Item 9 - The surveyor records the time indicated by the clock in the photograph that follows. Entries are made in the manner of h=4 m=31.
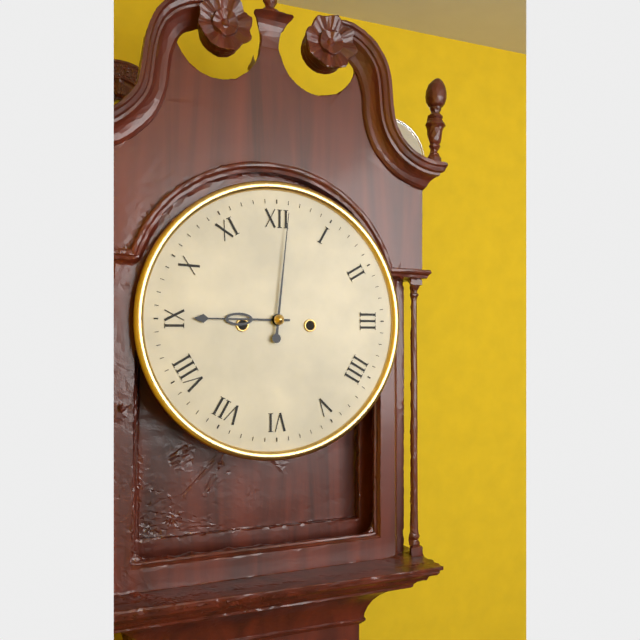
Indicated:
h=9 m=1
